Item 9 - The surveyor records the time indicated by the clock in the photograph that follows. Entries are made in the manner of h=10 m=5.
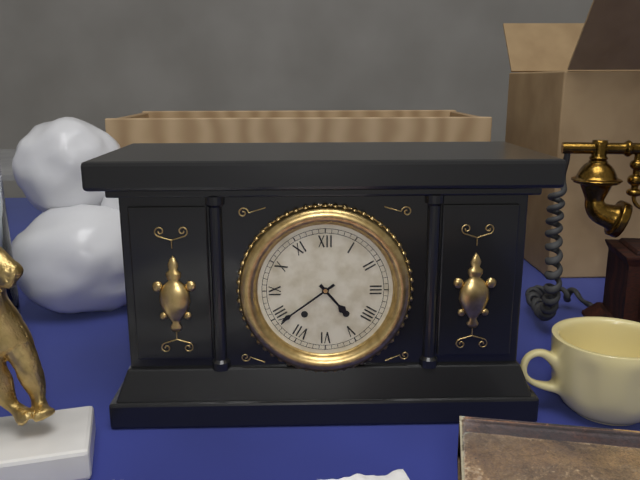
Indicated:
h=4 m=39
